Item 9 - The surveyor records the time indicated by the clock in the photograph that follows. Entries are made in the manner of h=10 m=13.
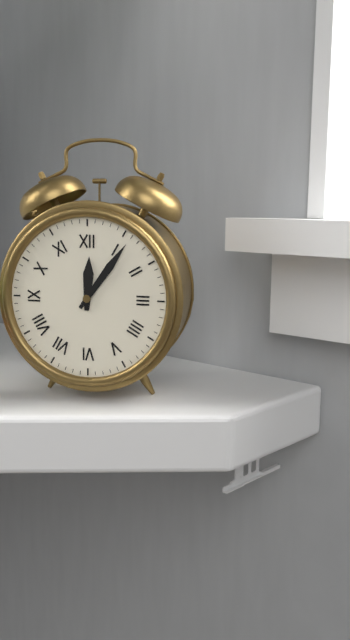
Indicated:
h=12 m=6
